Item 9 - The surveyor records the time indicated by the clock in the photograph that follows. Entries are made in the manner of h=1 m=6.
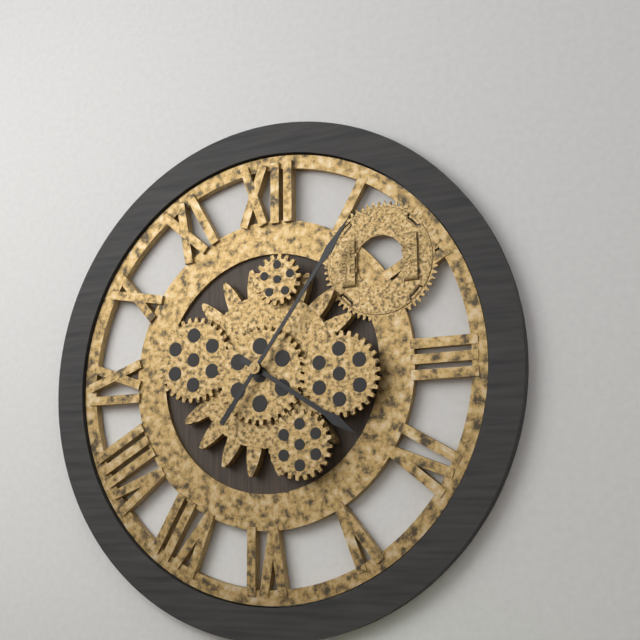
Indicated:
h=4 m=6
